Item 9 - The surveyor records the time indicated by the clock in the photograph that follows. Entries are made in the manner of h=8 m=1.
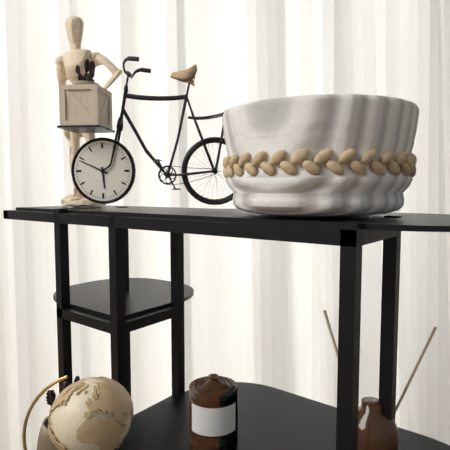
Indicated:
h=5 m=49
